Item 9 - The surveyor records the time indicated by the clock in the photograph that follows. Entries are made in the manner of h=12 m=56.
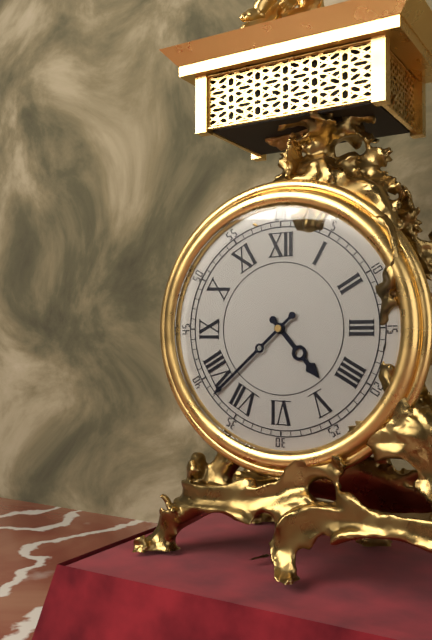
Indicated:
h=4 m=38
